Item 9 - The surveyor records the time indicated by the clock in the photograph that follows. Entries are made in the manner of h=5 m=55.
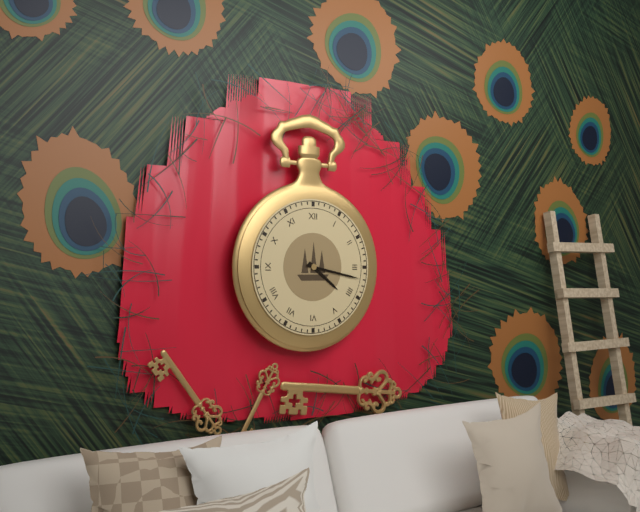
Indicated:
h=4 m=17
